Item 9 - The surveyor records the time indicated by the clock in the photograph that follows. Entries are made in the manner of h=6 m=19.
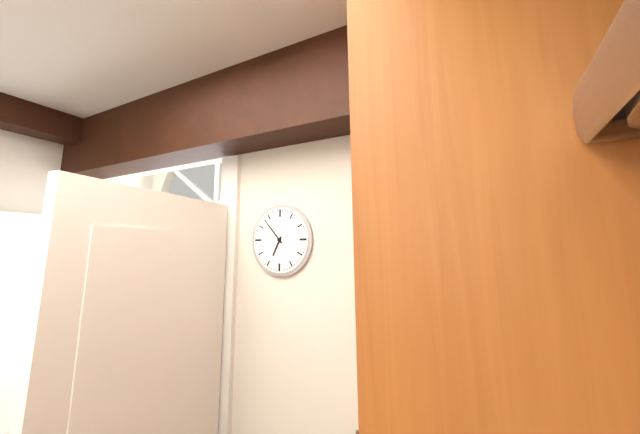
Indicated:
h=6 m=53
